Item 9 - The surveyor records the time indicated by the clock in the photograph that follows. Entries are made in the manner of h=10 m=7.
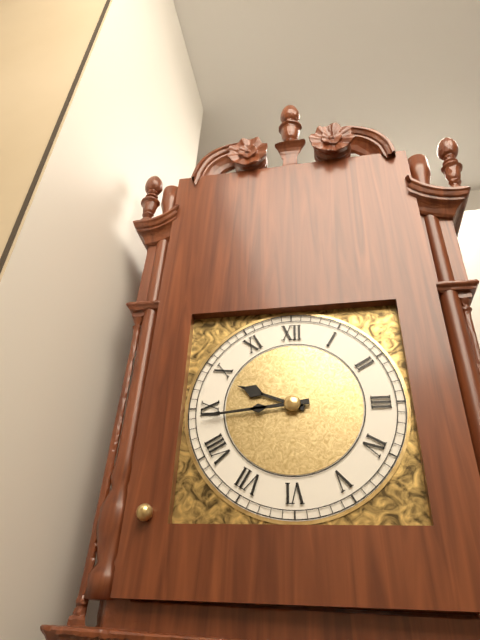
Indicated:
h=9 m=44
